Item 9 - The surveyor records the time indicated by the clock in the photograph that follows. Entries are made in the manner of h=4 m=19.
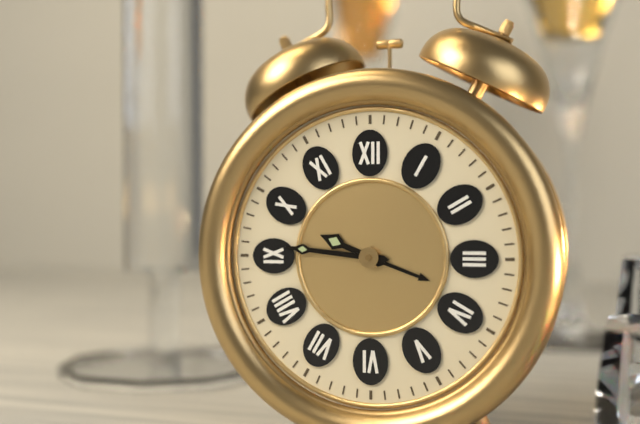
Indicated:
h=9 m=46
